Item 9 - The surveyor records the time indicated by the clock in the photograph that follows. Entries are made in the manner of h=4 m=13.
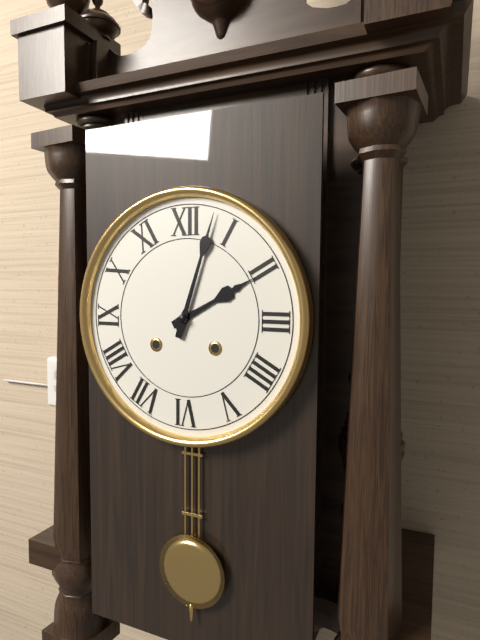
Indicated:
h=2 m=3
